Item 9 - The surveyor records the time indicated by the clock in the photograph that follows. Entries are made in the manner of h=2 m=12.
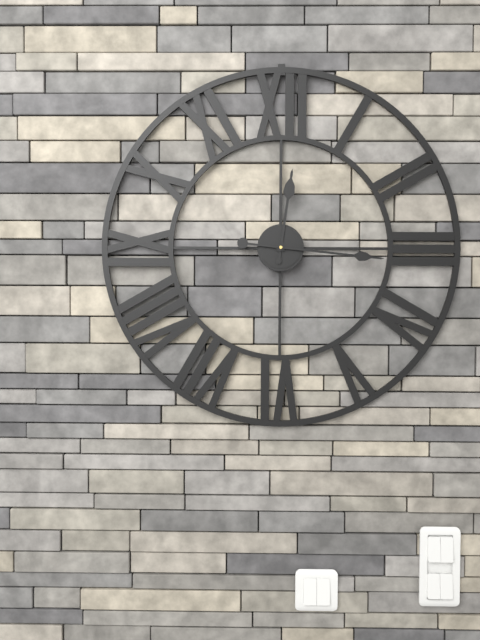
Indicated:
h=12 m=16
